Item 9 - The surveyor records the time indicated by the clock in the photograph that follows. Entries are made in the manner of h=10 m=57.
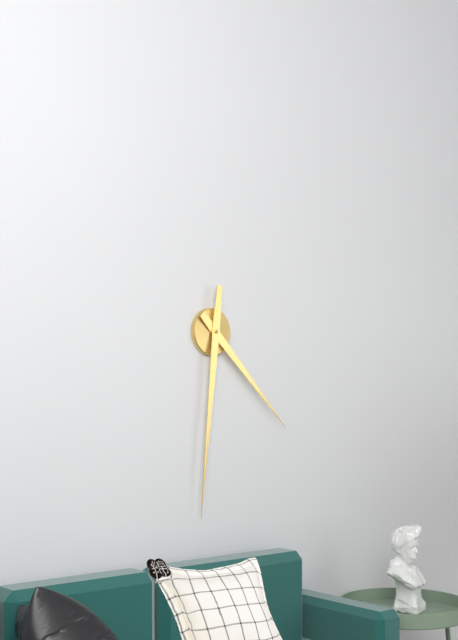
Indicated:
h=4 m=31
